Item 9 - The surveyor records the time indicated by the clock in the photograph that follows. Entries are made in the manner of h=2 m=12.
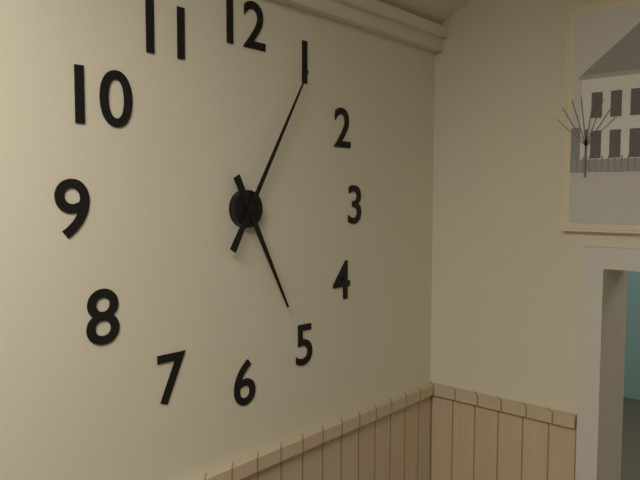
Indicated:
h=5 m=5
